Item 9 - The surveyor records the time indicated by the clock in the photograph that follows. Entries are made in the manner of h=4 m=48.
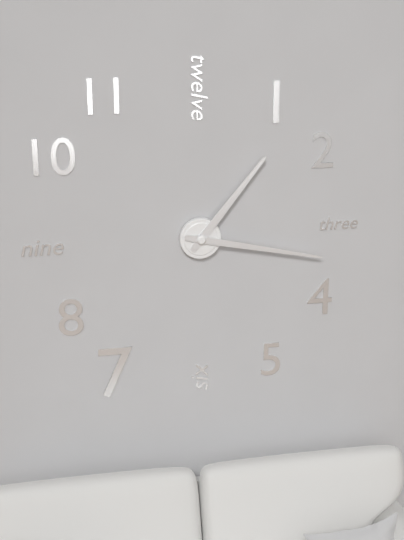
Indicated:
h=1 m=17
